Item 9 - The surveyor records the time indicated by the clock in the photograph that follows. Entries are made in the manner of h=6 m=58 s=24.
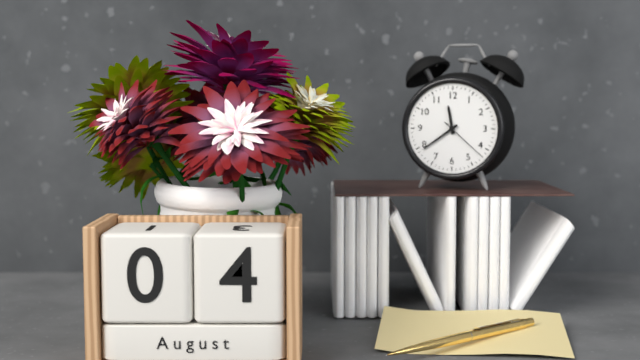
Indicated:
h=11 m=39 s=22
